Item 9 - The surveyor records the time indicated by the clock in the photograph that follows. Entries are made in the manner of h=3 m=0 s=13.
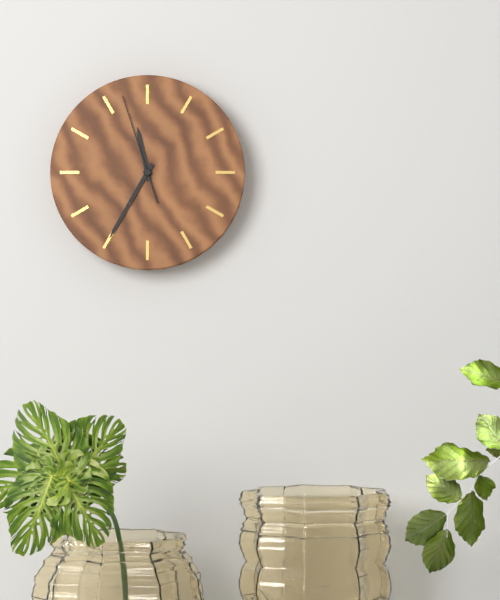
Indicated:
h=11 m=35 s=57
